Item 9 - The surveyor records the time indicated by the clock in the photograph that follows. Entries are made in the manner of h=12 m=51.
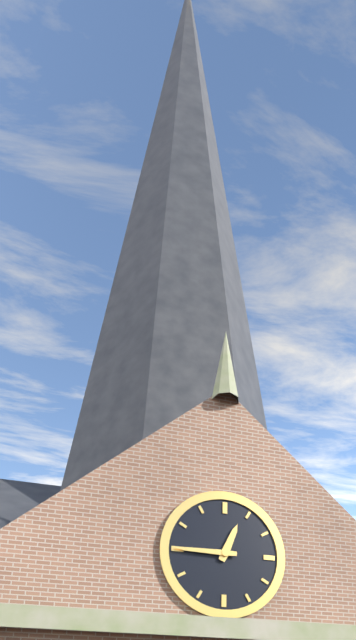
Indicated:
h=12 m=45
